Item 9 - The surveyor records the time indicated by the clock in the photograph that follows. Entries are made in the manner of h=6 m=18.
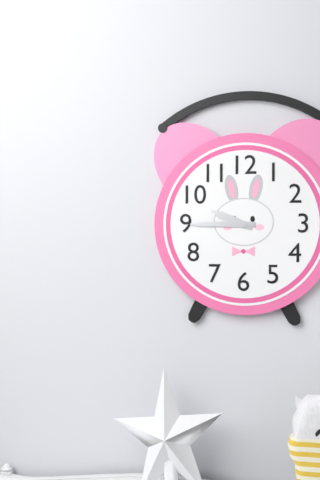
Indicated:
h=9 m=45
